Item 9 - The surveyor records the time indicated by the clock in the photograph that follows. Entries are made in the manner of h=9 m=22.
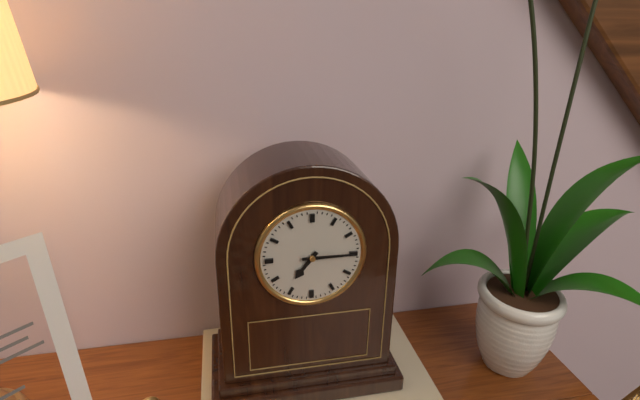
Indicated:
h=7 m=15
